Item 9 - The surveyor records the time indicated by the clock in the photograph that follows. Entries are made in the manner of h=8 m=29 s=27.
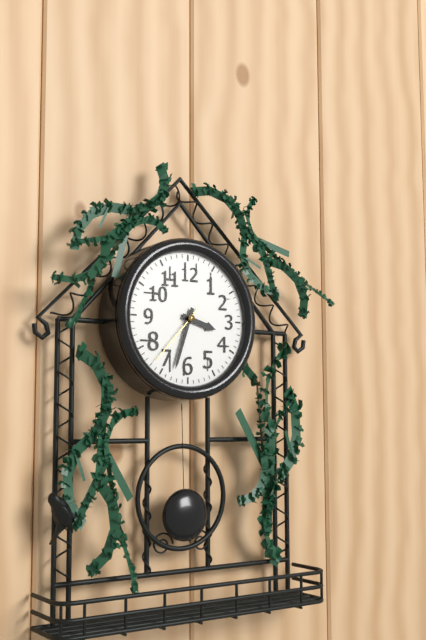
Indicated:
h=3 m=33 s=37
